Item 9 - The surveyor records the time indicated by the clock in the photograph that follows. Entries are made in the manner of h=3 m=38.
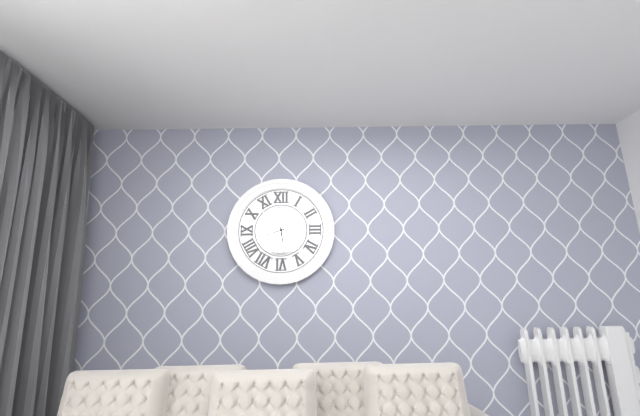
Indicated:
h=5 m=42
